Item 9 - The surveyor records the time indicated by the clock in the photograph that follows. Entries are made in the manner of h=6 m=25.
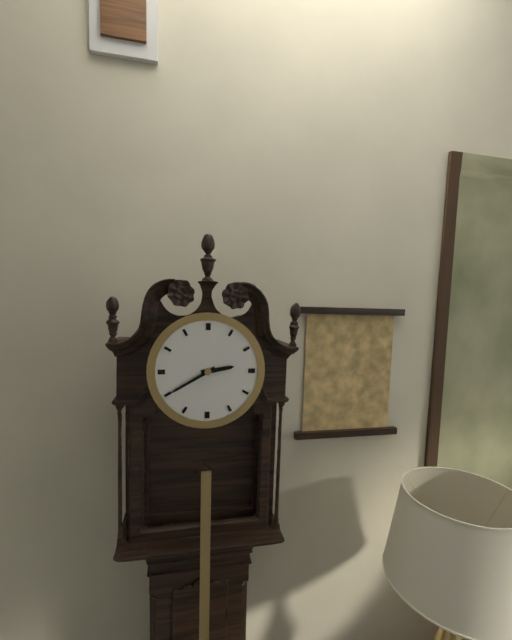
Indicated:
h=2 m=40
